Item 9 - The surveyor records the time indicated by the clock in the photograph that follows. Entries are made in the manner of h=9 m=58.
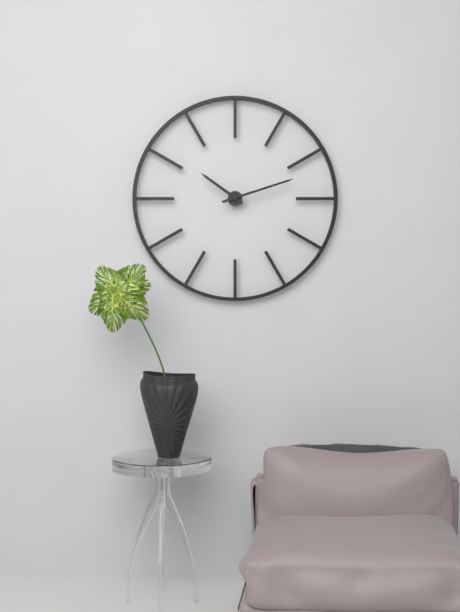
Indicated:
h=10 m=12
